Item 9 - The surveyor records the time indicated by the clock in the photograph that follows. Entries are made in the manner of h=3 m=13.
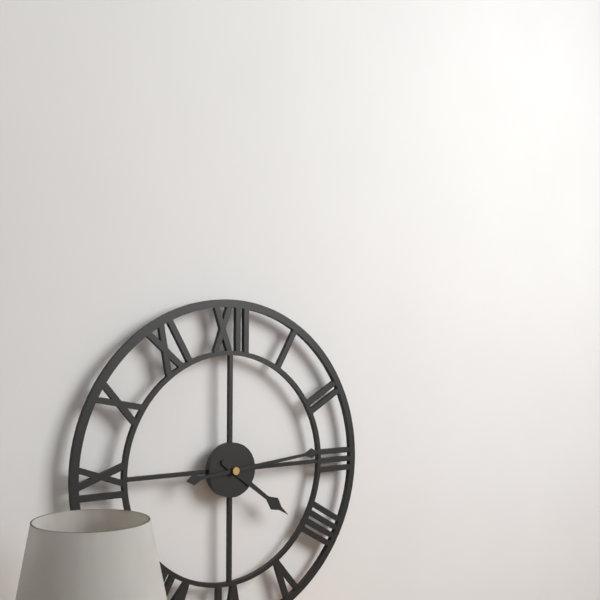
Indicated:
h=4 m=14
